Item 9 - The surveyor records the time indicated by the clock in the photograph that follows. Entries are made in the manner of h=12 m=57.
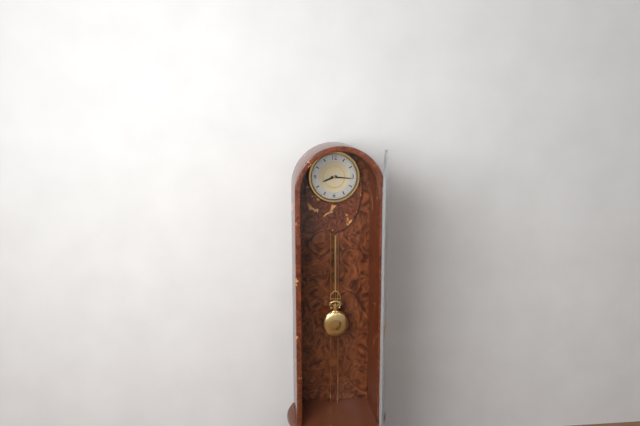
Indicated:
h=8 m=16
